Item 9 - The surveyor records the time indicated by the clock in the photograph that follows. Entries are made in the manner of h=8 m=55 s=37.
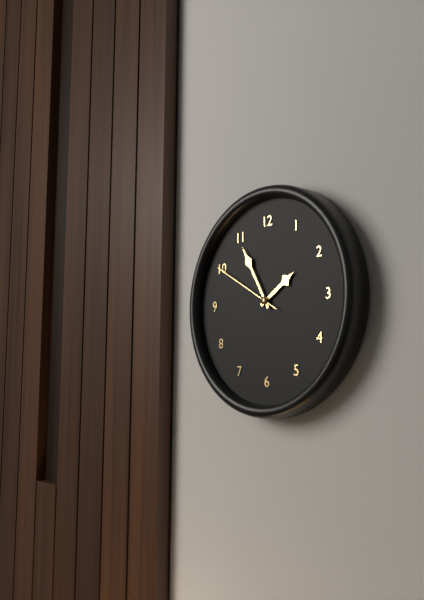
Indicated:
h=1 m=55 s=50
